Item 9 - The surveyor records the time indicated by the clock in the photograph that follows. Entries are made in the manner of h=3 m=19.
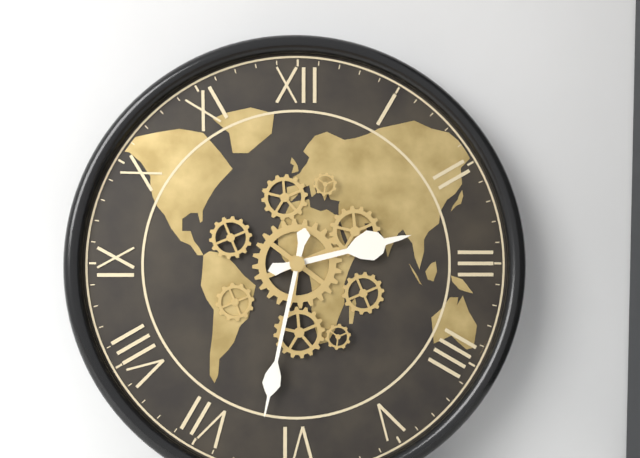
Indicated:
h=2 m=32
